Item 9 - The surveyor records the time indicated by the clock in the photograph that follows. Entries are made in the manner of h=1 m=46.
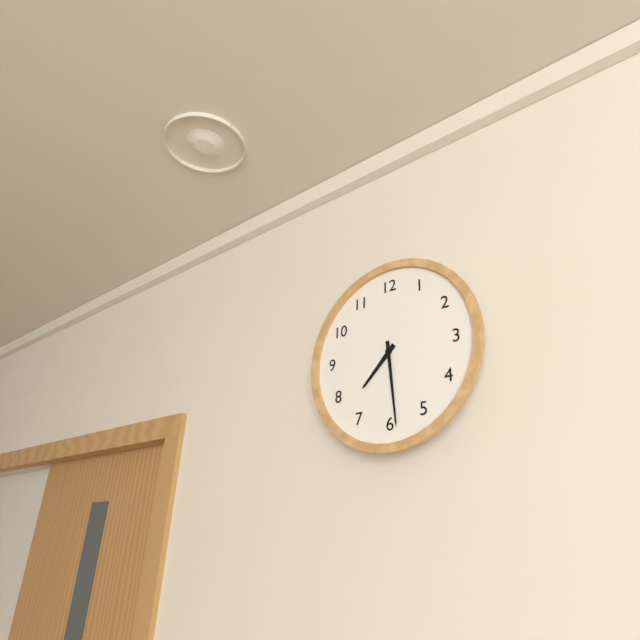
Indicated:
h=7 m=29
